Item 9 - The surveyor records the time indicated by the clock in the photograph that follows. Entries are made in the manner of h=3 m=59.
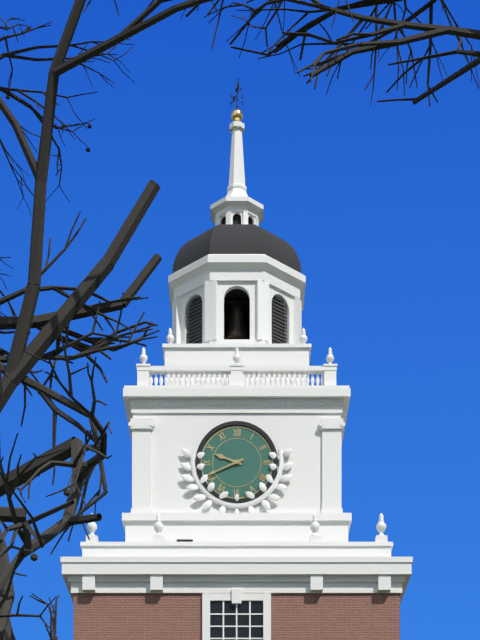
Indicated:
h=9 m=41
